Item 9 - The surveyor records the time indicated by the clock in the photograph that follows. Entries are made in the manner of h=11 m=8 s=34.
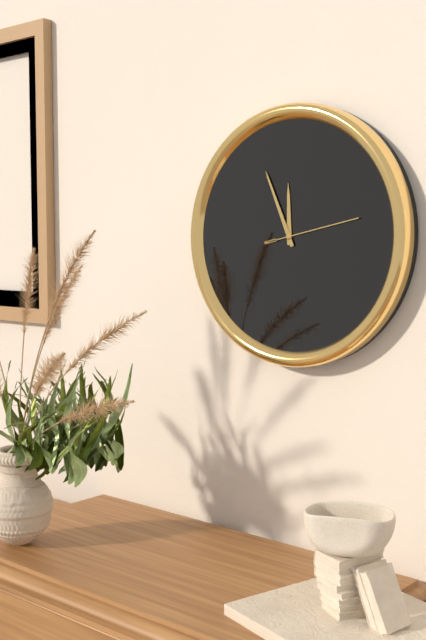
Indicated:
h=11 m=56 s=13
